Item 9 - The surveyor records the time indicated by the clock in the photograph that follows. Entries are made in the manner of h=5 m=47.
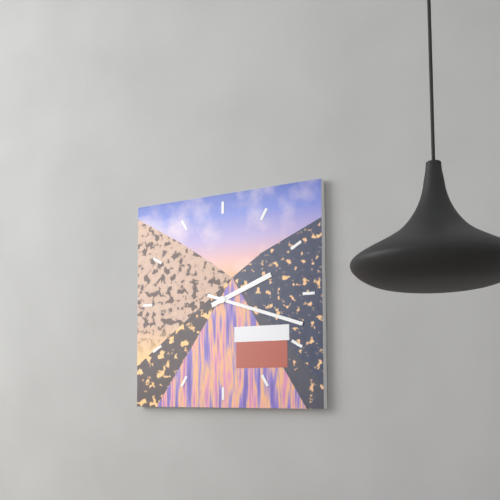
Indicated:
h=2 m=18
